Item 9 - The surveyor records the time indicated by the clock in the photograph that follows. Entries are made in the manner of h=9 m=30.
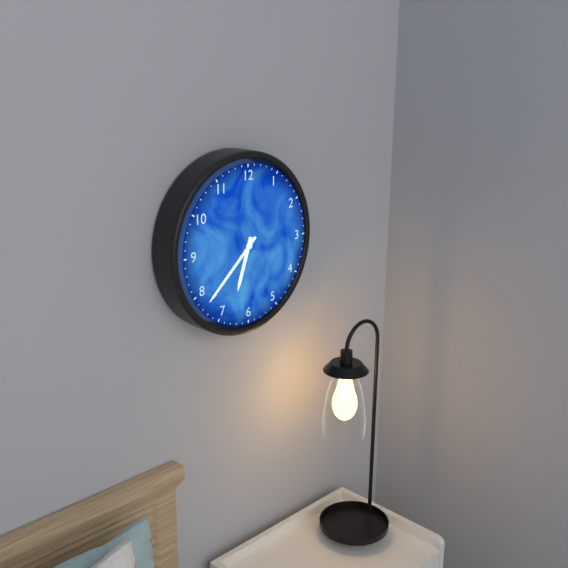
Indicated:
h=6 m=38
